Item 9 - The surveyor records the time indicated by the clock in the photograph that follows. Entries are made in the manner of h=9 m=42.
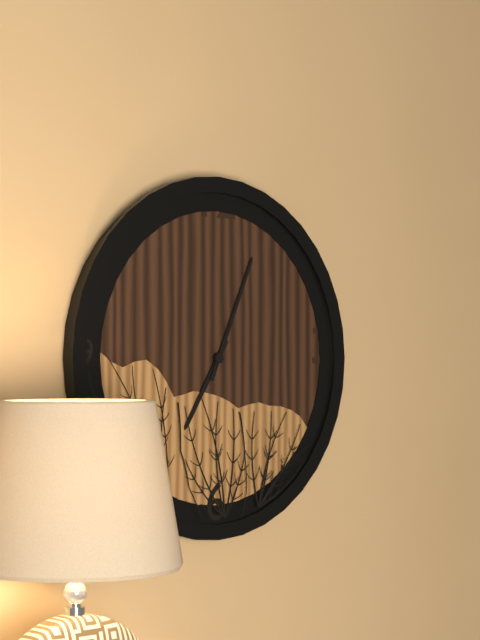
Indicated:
h=7 m=4
